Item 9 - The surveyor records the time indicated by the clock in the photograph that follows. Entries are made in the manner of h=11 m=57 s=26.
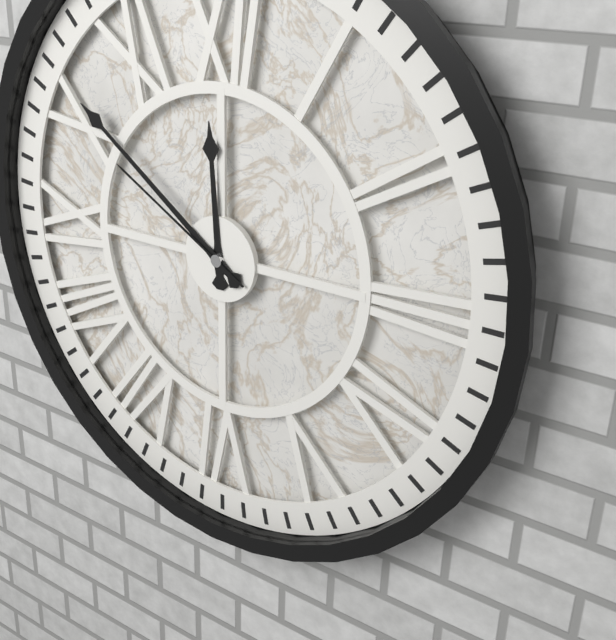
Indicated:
h=11 m=51 s=50
